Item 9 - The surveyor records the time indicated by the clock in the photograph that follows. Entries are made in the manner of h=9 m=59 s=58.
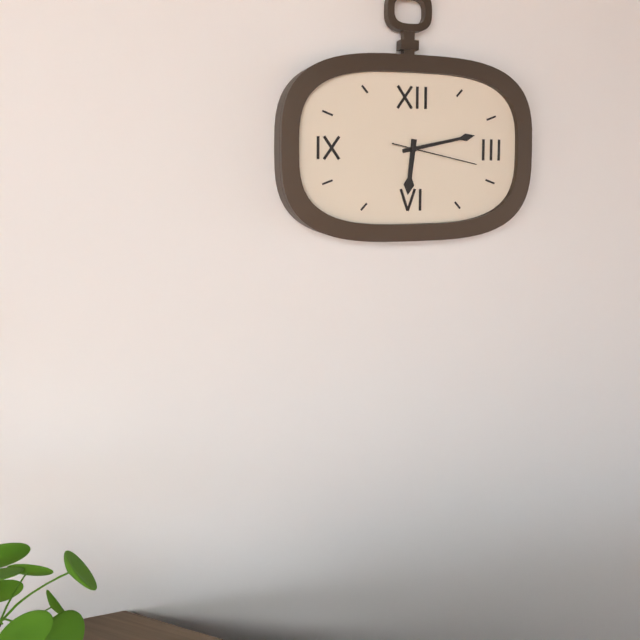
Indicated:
h=6 m=13 s=17
